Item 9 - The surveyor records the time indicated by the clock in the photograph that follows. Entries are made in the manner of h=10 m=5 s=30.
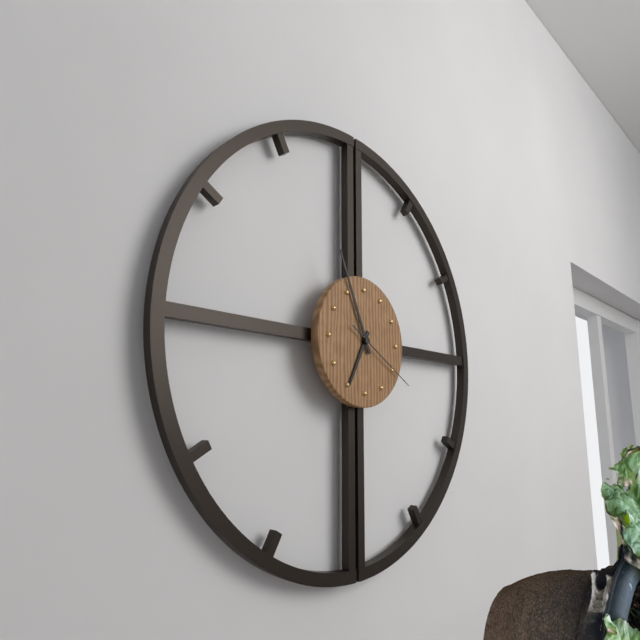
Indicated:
h=6 m=56 s=20
